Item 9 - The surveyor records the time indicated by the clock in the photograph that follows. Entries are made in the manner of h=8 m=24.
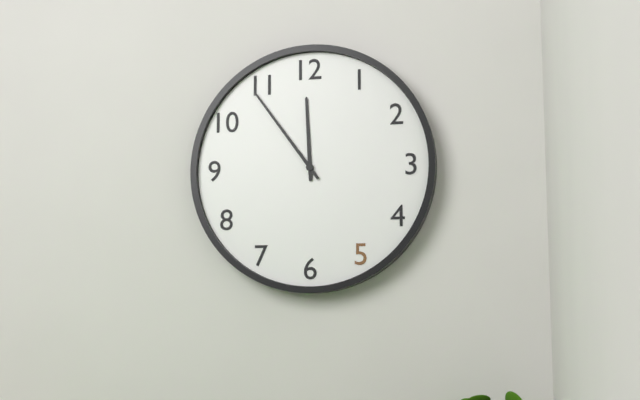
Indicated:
h=11 m=54
